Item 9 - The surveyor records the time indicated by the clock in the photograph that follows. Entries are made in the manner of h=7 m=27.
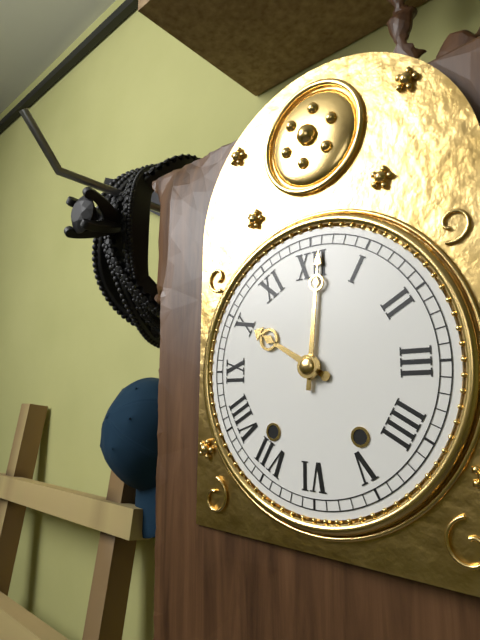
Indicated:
h=10 m=1
